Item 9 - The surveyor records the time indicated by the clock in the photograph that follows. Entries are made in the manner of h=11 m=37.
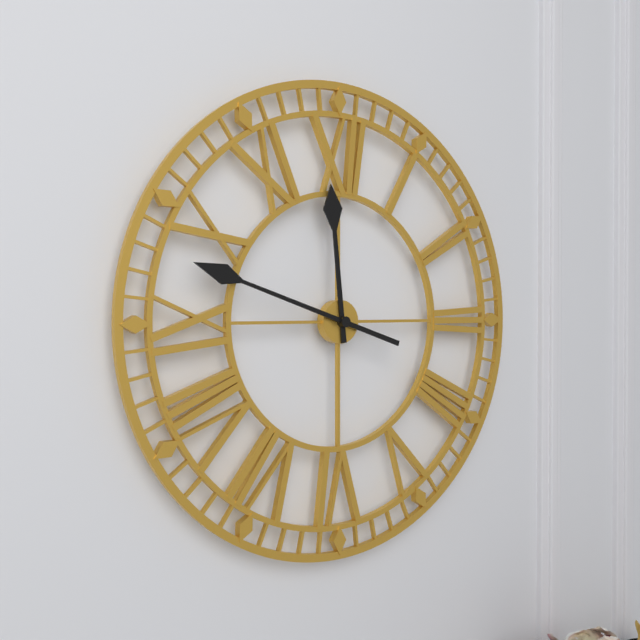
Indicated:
h=11 m=48
